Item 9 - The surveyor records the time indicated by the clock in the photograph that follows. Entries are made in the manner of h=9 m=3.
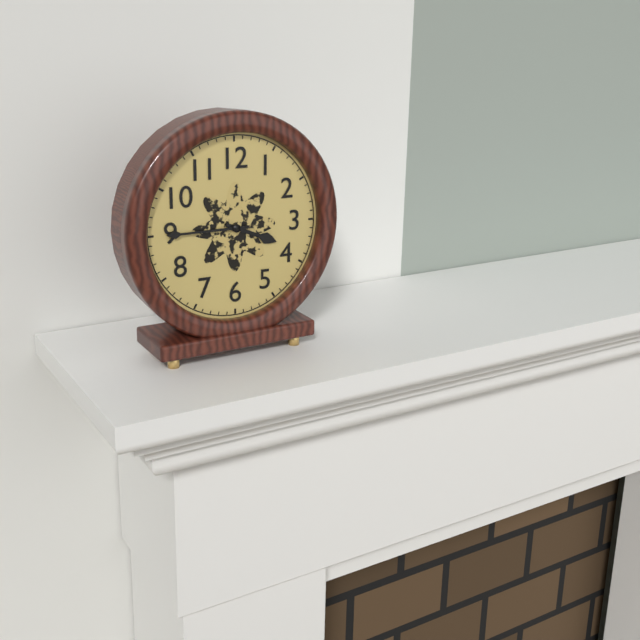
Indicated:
h=3 m=45
